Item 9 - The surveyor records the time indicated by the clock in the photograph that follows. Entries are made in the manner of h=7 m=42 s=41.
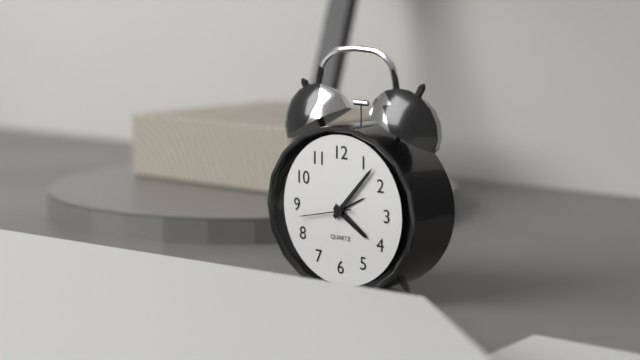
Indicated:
h=4 m=7 s=43
